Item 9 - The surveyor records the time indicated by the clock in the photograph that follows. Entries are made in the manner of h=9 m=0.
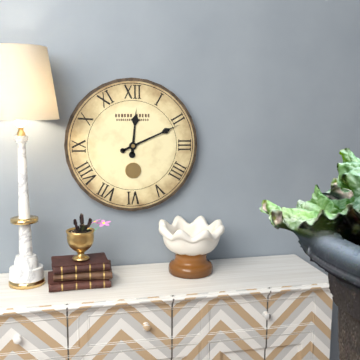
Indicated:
h=12 m=11
